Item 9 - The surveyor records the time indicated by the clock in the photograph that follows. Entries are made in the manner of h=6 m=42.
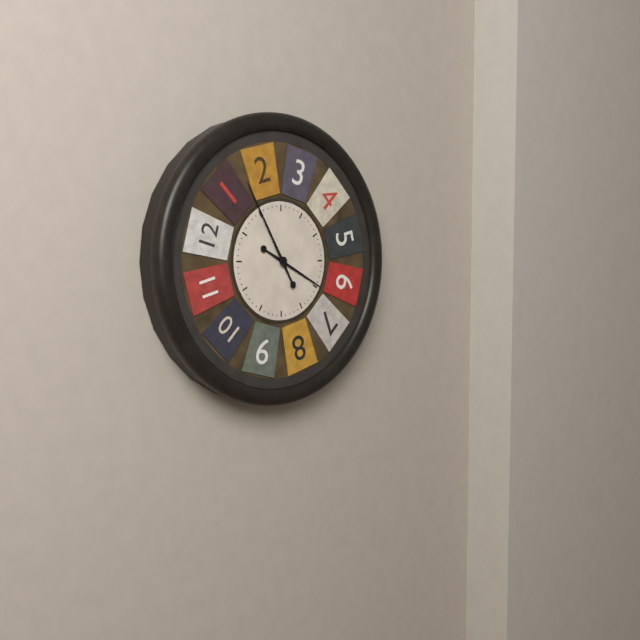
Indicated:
h=3 m=55
